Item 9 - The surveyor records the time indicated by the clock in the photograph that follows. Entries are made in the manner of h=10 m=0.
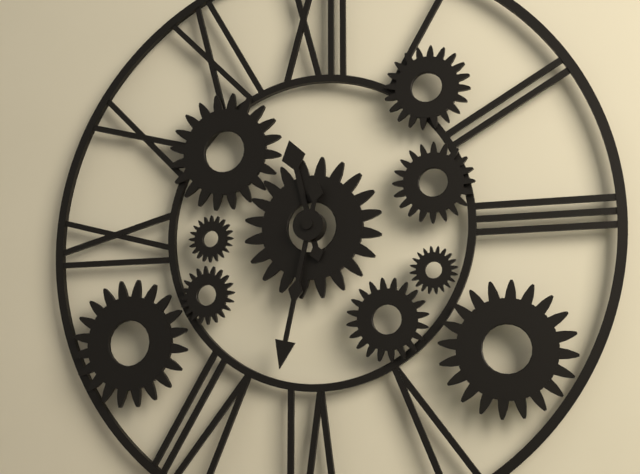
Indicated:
h=11 m=32
